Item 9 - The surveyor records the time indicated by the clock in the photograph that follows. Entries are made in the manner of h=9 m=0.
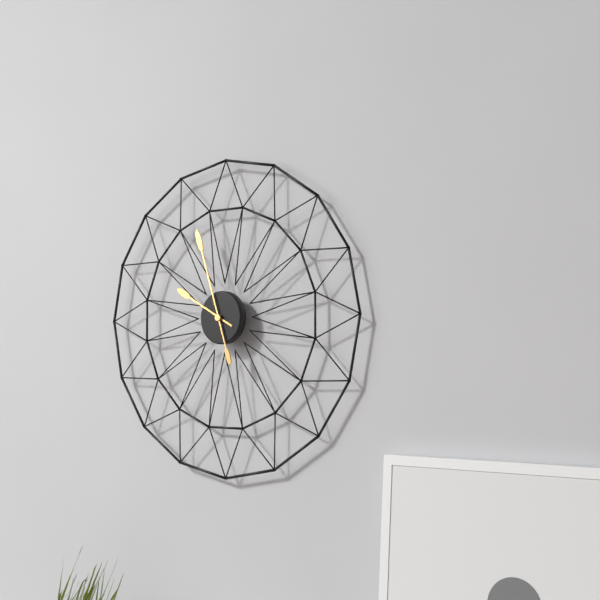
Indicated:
h=9 m=57
